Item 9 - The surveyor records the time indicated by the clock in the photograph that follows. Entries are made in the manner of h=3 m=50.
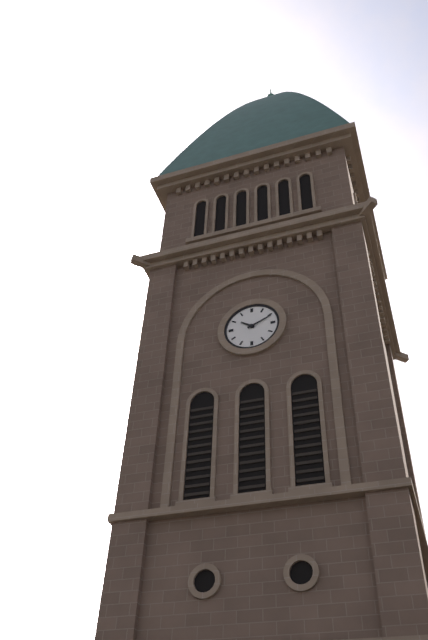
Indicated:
h=10 m=11
